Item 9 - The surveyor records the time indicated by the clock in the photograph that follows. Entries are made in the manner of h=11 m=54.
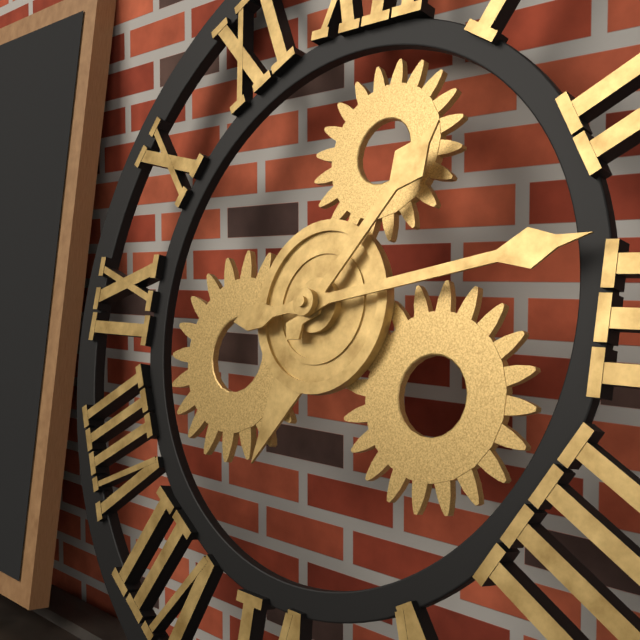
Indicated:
h=1 m=13
